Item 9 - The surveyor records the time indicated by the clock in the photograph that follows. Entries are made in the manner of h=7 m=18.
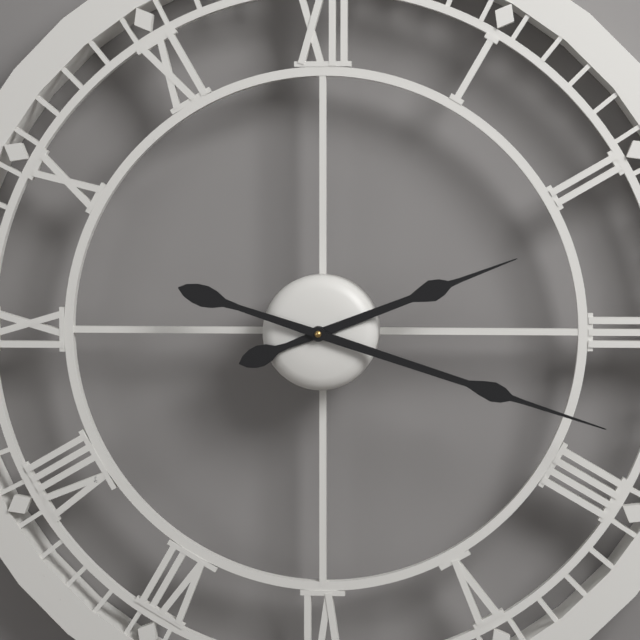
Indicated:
h=2 m=18
